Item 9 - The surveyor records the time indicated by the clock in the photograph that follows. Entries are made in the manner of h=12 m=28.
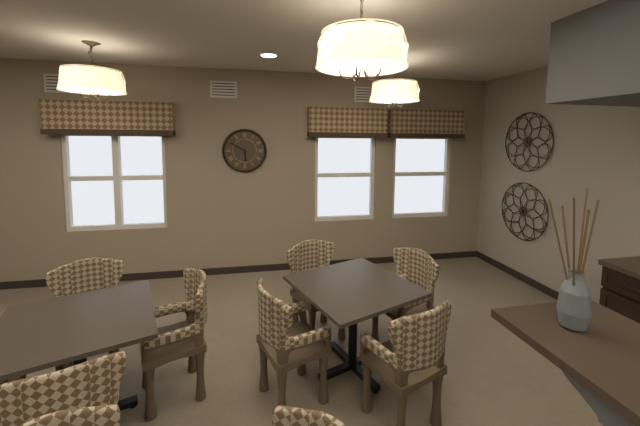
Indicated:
h=5 m=50
